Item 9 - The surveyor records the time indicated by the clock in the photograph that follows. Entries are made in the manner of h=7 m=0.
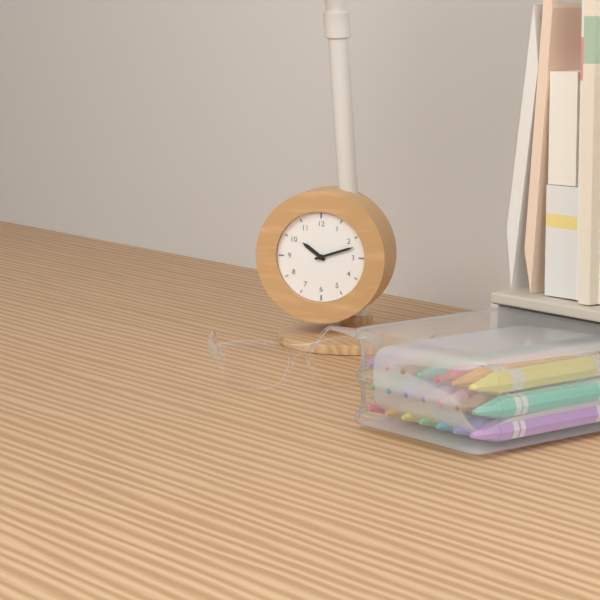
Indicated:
h=10 m=12
